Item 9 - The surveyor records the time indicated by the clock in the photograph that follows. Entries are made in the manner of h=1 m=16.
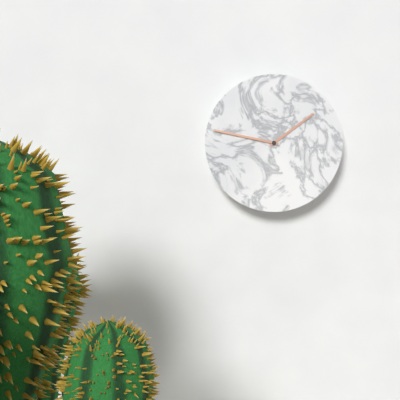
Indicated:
h=1 m=47
